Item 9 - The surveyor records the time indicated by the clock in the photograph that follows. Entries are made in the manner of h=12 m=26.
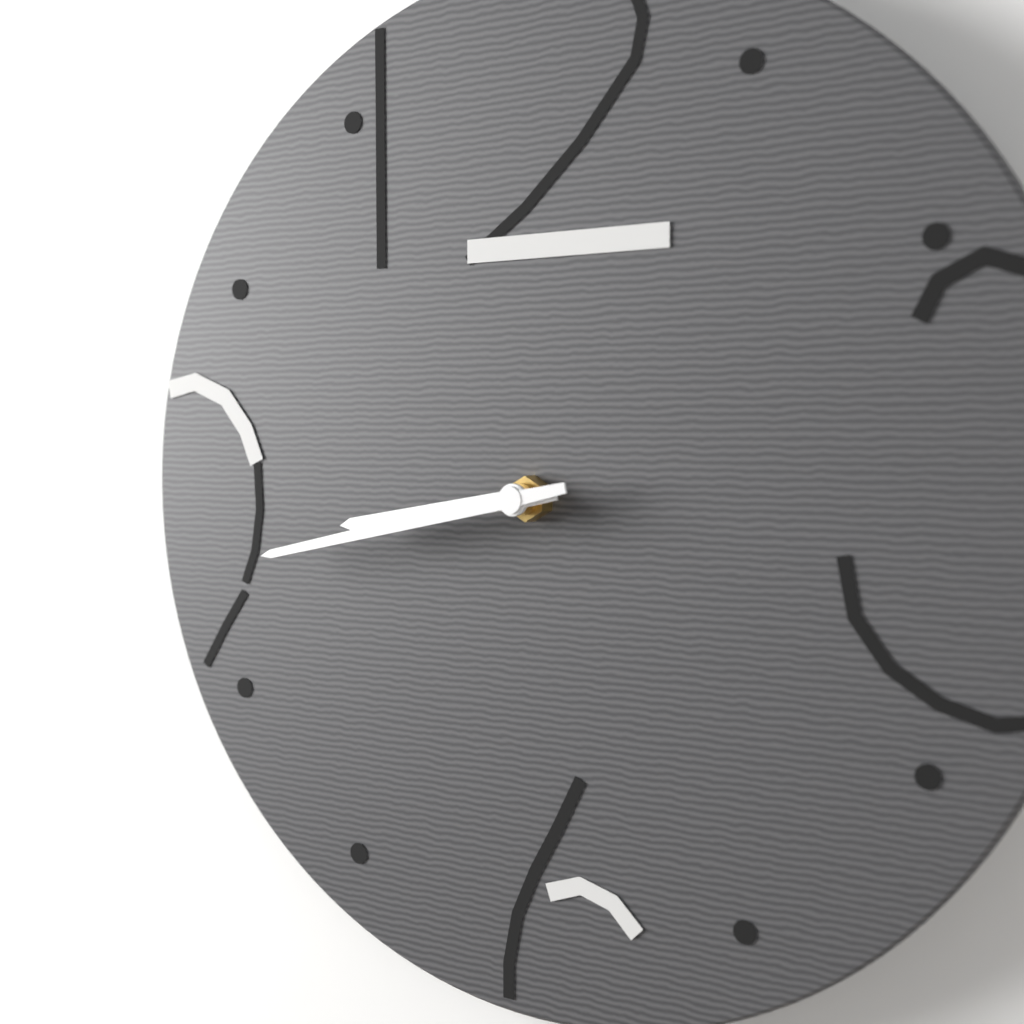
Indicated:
h=8 m=43
